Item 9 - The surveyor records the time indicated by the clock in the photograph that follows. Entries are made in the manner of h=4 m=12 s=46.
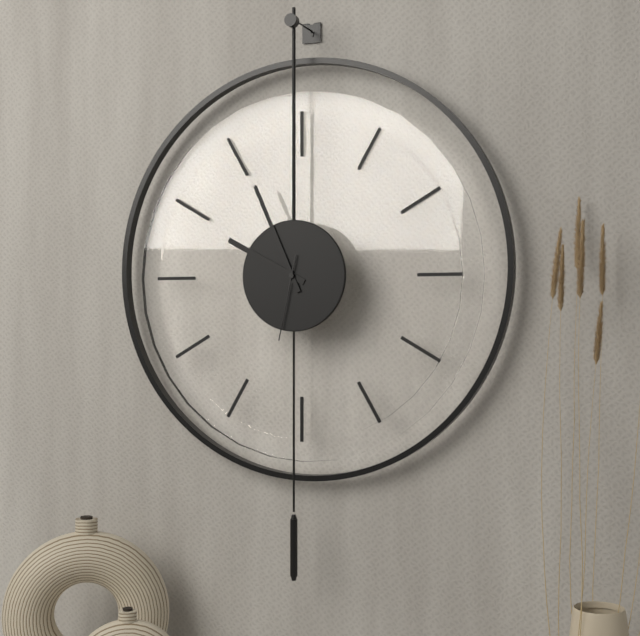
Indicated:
h=9 m=56 s=32
